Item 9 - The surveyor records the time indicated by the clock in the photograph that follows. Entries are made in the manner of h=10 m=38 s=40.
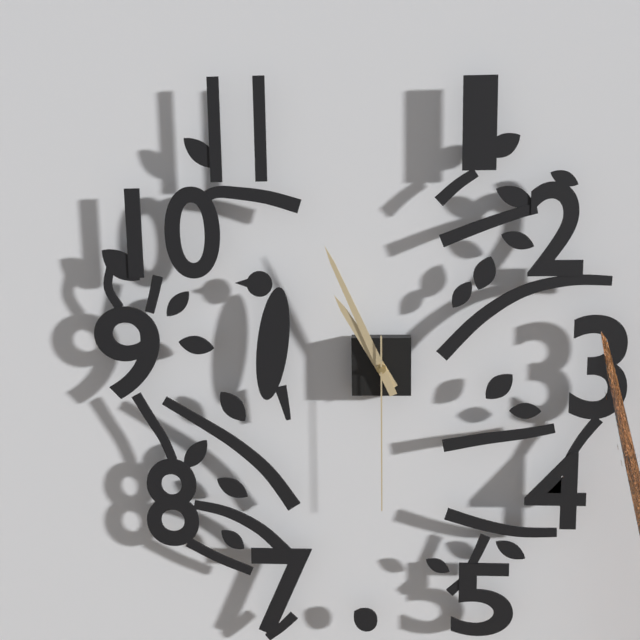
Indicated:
h=10 m=56 s=30
